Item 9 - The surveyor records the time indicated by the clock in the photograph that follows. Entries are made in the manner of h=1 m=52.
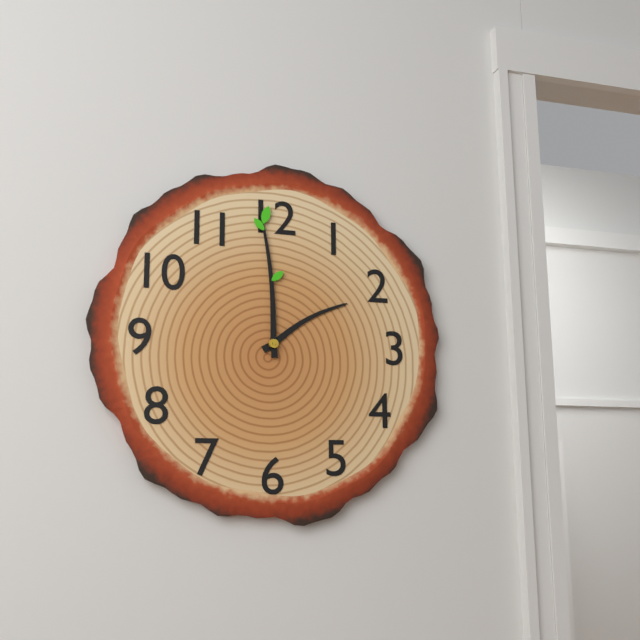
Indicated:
h=1 m=59
